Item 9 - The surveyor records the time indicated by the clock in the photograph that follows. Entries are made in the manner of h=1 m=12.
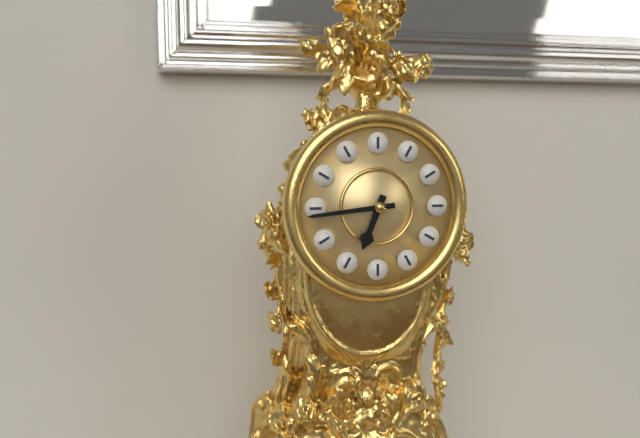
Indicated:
h=6 m=44
